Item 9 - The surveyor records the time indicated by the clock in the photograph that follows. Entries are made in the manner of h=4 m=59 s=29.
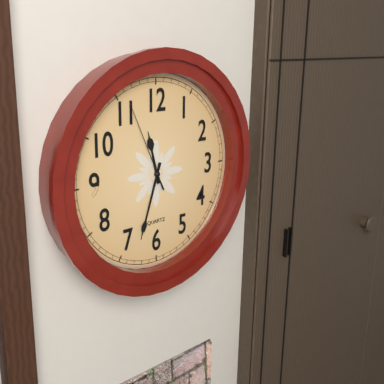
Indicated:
h=11 m=33 s=56
